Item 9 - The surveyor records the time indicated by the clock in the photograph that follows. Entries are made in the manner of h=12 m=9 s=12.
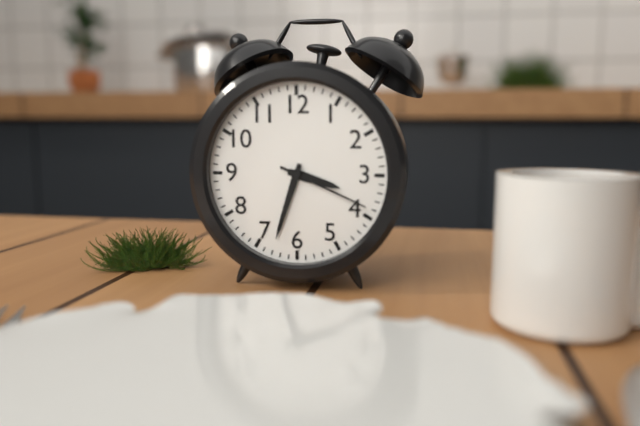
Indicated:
h=3 m=33 s=19
